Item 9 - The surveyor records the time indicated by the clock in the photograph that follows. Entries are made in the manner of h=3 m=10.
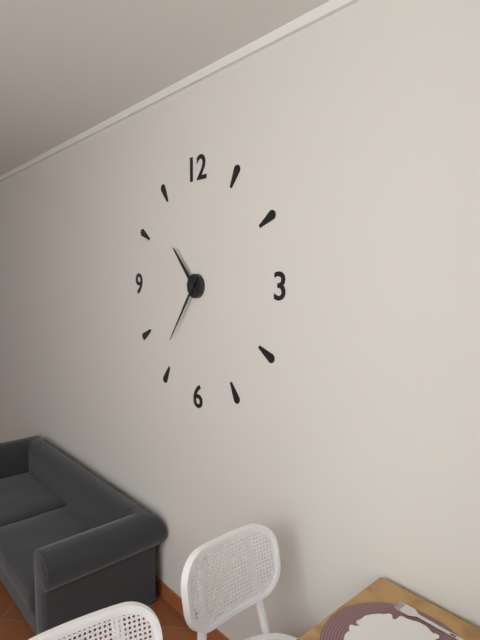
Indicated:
h=10 m=36
